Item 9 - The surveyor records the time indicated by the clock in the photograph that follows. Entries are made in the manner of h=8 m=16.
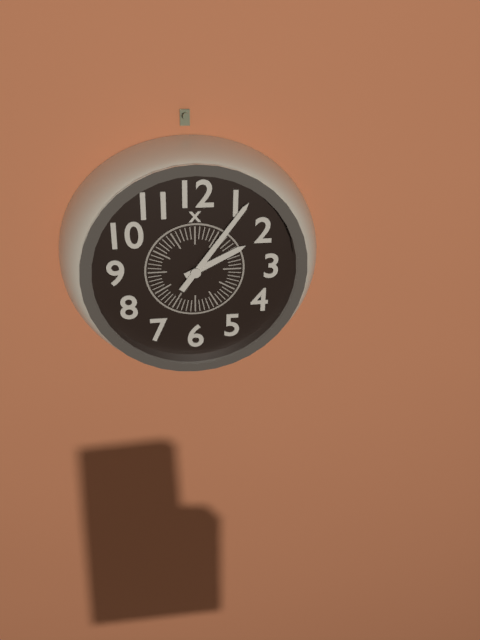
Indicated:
h=2 m=6
